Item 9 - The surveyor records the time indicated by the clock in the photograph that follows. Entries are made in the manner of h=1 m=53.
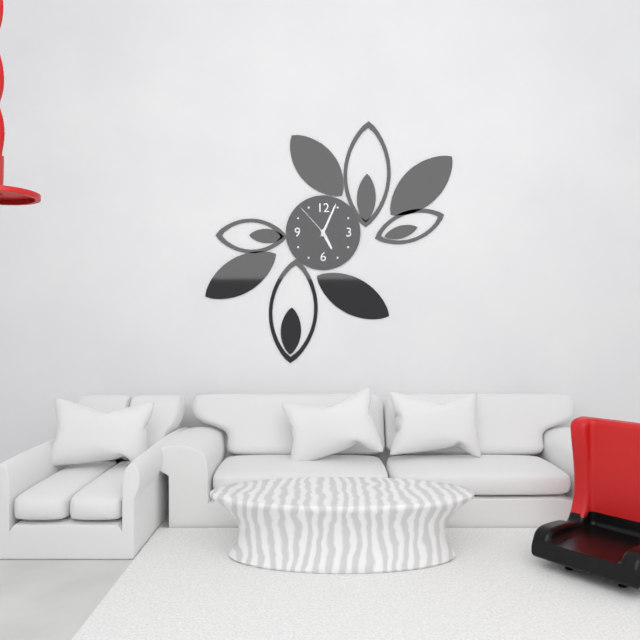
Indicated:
h=5 m=4
